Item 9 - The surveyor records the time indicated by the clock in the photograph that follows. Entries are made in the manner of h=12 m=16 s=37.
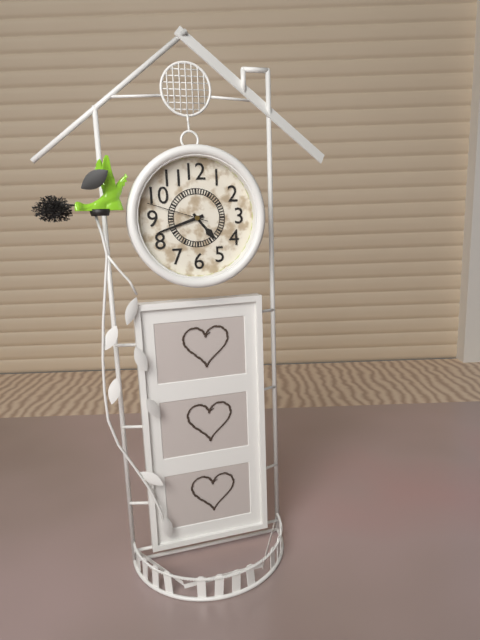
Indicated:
h=4 m=42 s=48
